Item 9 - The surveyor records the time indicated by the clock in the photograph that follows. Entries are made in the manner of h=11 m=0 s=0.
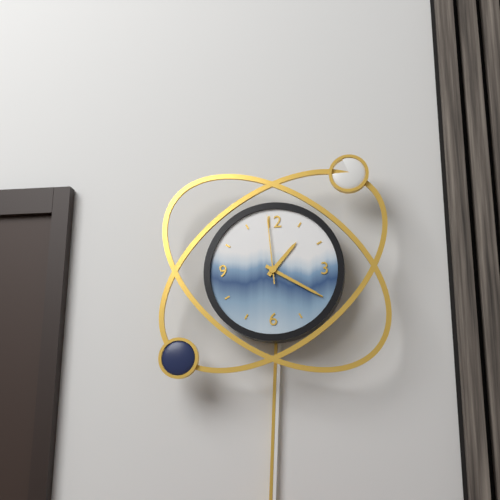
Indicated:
h=1 m=20 s=59
